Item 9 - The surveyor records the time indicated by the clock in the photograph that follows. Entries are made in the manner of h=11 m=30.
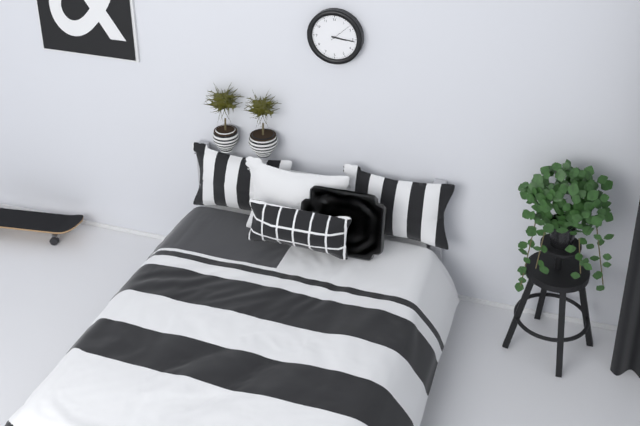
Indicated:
h=3 m=16
